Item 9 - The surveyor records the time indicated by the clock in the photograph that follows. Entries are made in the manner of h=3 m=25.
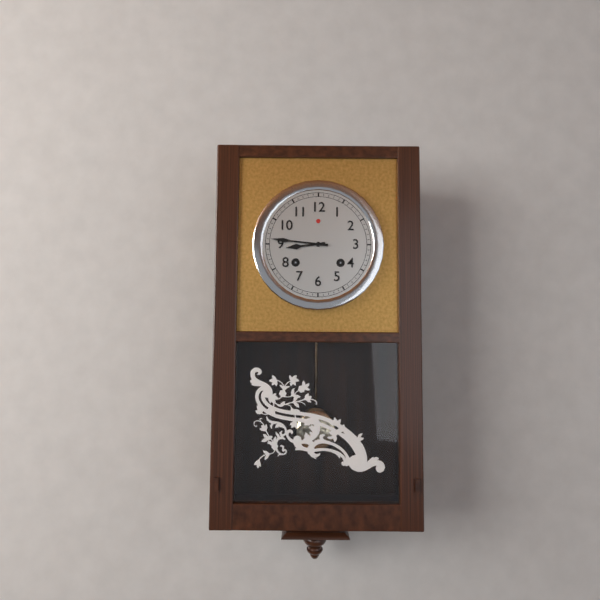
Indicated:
h=8 m=46
